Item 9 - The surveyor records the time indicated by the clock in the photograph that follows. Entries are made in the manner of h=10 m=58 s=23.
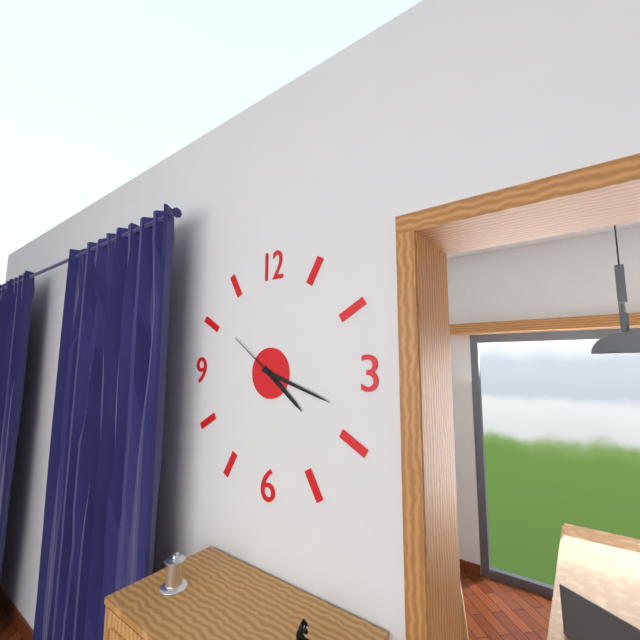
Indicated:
h=4 m=18 s=51
